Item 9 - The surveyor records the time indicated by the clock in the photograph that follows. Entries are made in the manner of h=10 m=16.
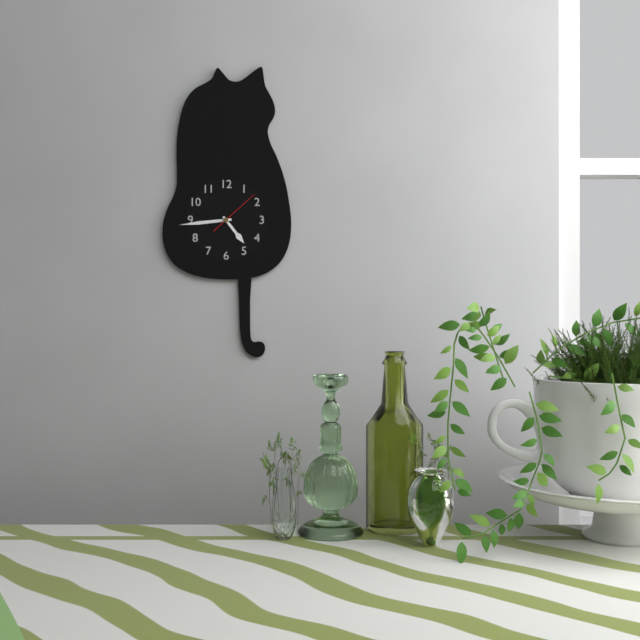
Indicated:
h=4 m=44
